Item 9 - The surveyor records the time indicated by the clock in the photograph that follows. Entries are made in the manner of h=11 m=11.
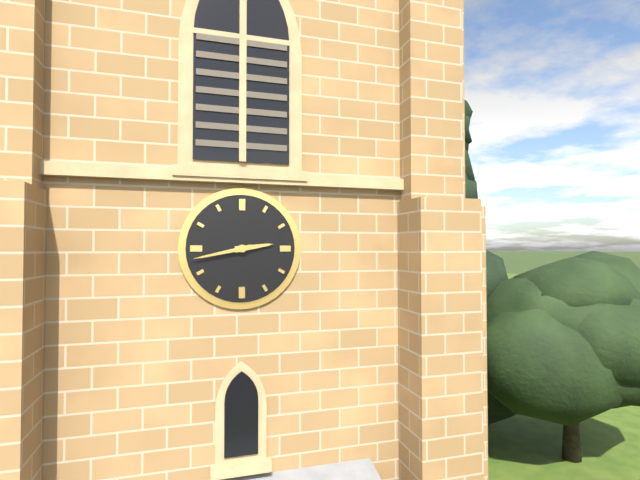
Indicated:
h=2 m=43
